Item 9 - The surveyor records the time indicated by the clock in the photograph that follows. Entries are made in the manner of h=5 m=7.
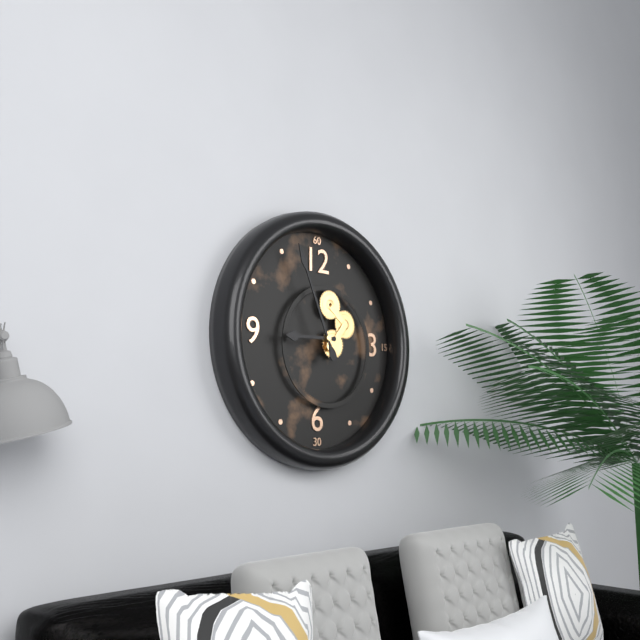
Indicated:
h=8 m=56
